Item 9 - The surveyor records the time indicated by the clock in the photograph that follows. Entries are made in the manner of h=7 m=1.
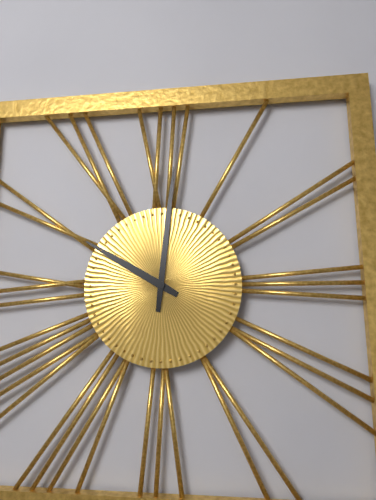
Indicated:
h=10 m=1
